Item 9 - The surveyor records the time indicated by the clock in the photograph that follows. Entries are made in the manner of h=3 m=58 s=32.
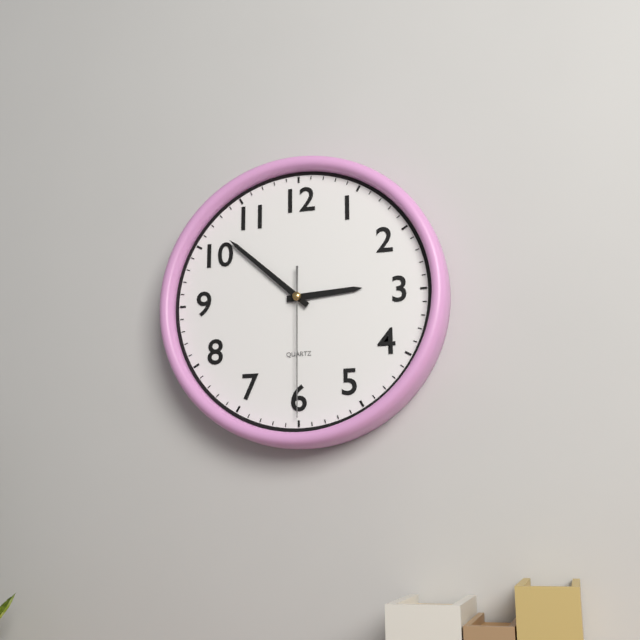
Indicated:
h=2 m=52 s=30
